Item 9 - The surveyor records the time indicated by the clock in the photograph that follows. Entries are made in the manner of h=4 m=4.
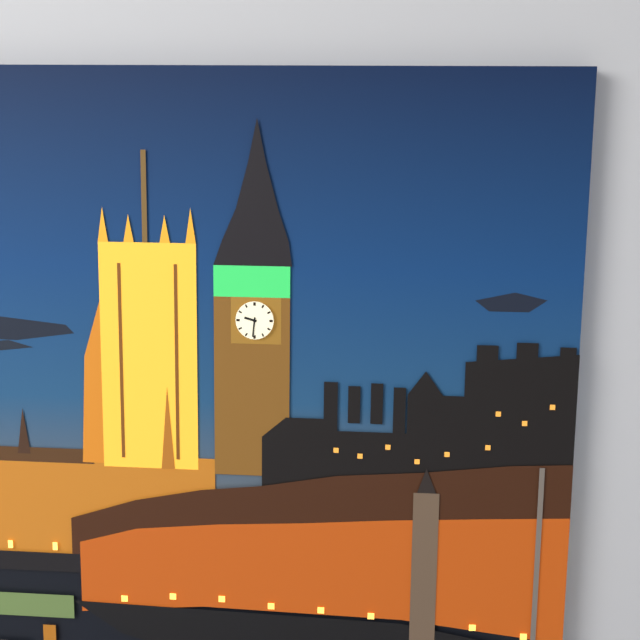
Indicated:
h=9 m=31
